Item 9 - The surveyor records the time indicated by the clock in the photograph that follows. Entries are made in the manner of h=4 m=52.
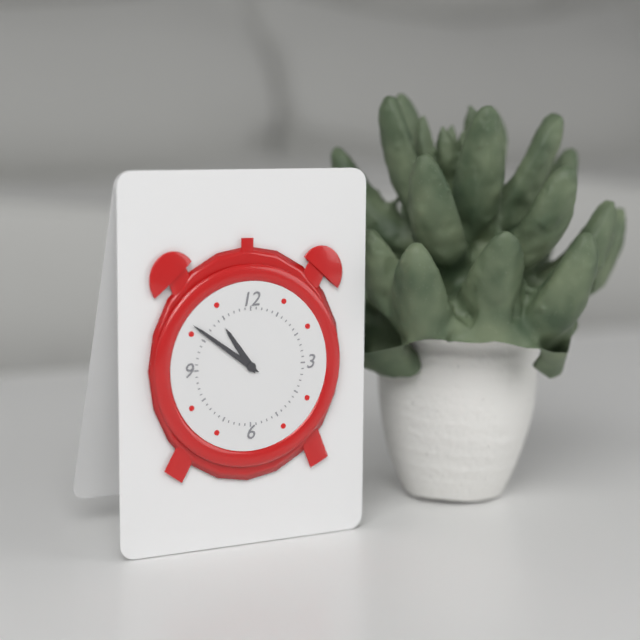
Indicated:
h=10 m=51
